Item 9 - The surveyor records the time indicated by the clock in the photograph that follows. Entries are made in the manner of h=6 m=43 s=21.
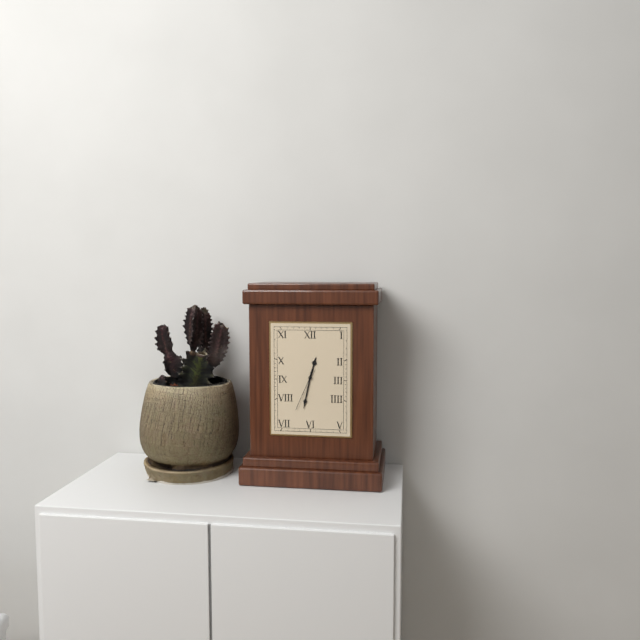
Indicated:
h=12 m=32 s=34
